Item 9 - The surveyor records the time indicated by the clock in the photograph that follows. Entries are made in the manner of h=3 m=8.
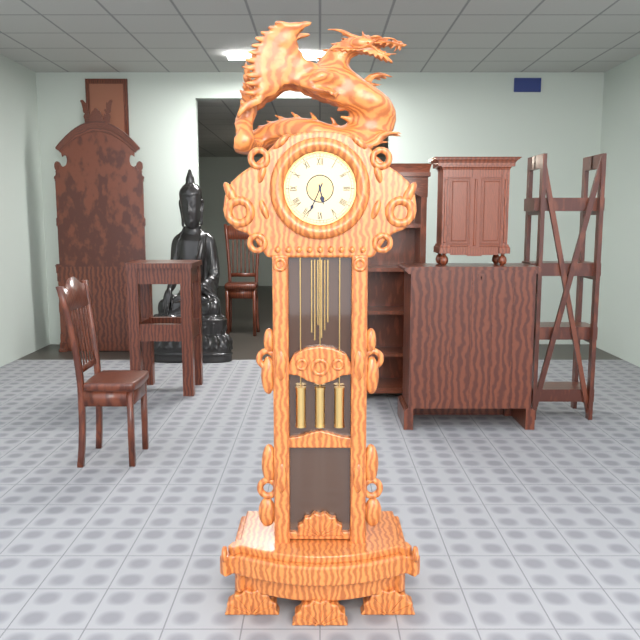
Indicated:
h=5 m=34
